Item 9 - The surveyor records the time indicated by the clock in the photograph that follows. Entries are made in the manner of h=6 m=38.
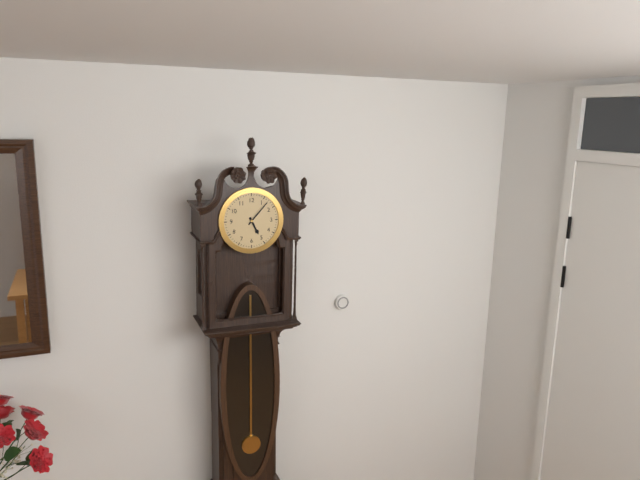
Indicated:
h=5 m=7
